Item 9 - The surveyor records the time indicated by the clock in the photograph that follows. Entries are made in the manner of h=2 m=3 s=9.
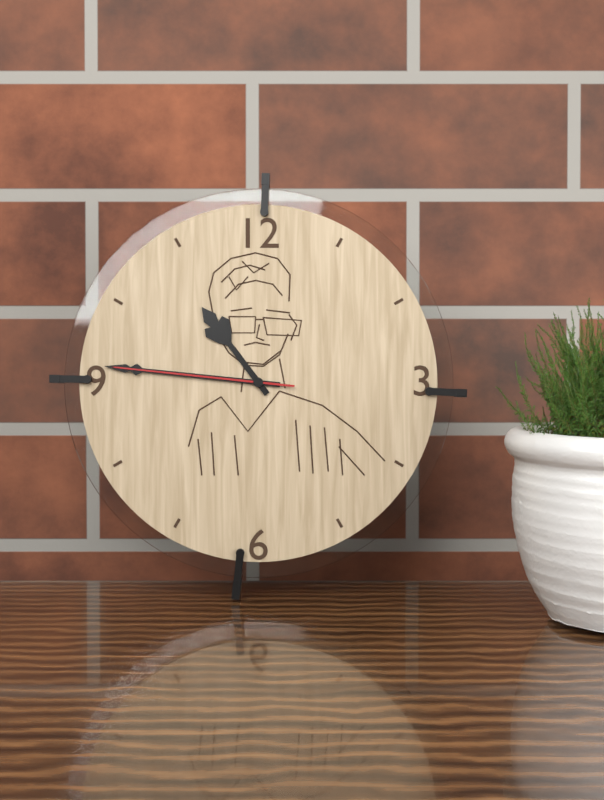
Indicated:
h=10 m=46 s=46
